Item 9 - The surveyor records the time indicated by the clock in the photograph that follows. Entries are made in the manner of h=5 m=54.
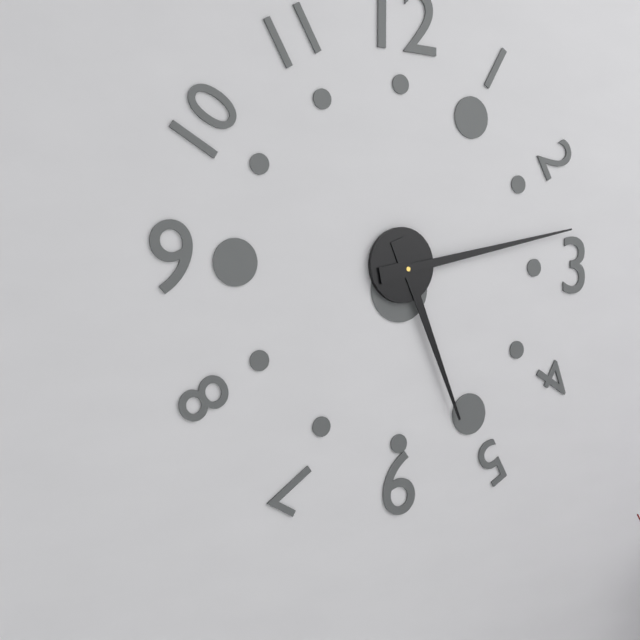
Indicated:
h=5 m=13
